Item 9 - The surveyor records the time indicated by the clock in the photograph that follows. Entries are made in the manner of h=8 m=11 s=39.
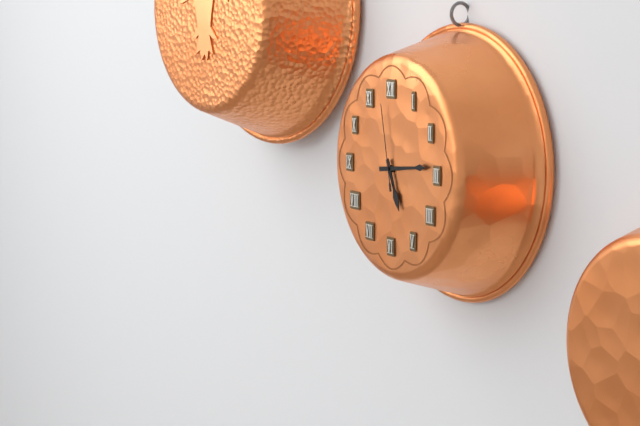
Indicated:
h=5 m=14 s=58
